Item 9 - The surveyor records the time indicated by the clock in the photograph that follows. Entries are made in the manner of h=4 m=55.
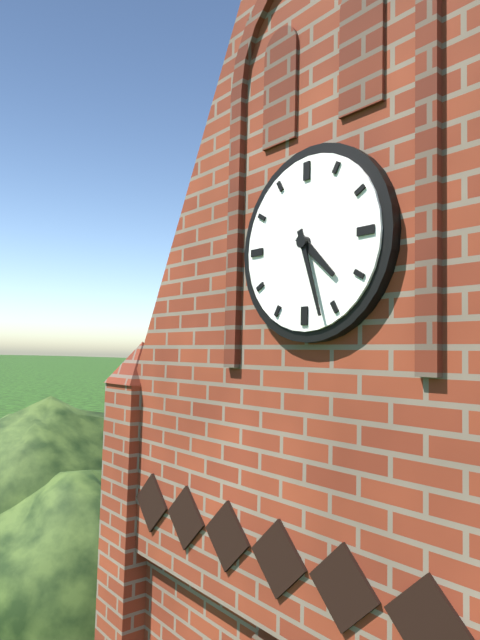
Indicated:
h=4 m=27
